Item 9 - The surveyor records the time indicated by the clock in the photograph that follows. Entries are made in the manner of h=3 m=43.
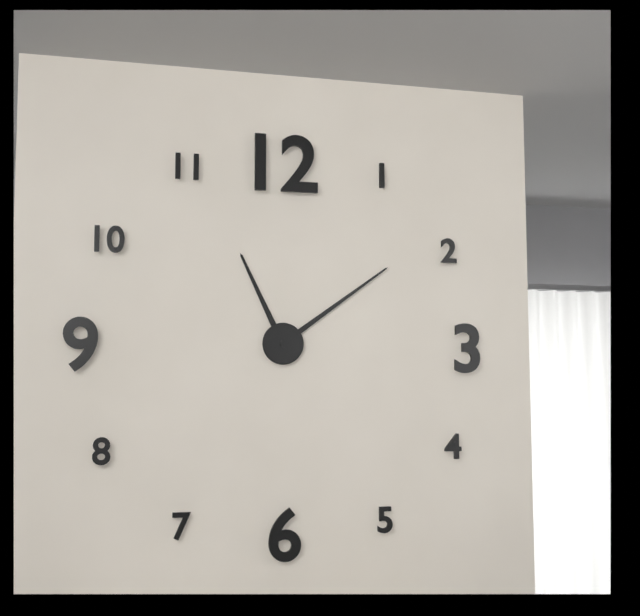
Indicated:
h=11 m=9
